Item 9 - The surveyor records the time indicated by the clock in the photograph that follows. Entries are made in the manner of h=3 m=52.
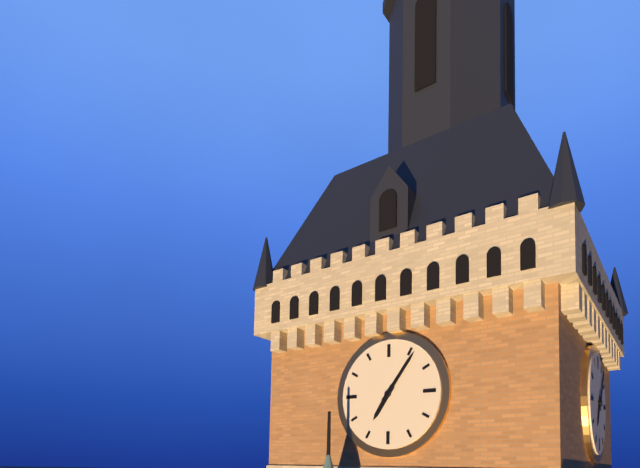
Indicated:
h=7 m=6
